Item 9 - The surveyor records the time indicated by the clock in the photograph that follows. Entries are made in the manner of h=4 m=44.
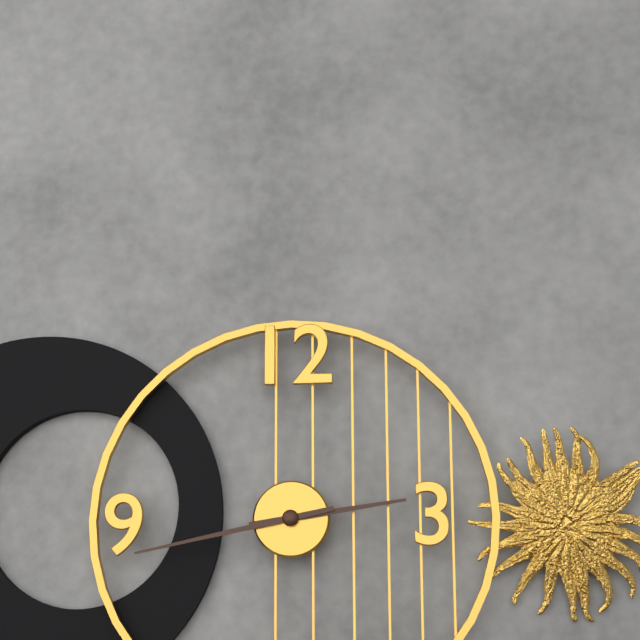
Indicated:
h=2 m=43
